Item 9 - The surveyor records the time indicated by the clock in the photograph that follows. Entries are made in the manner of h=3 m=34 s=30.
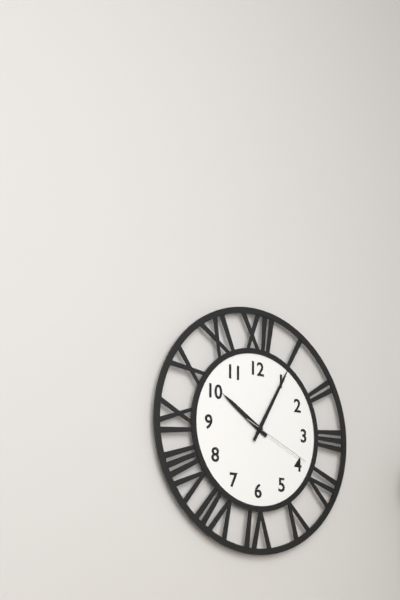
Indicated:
h=10 m=5 s=19
